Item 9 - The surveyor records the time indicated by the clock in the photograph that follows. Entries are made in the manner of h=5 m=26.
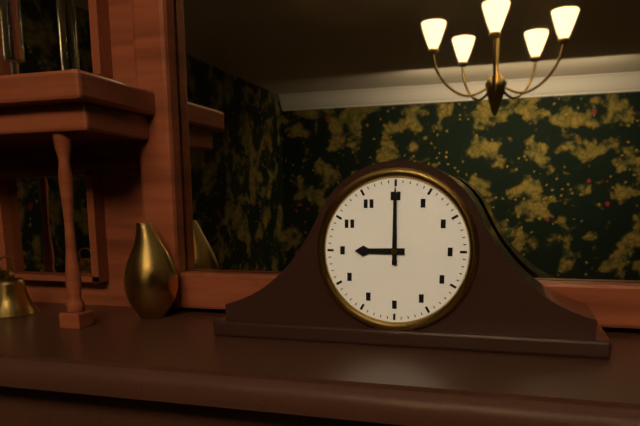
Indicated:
h=9 m=0
